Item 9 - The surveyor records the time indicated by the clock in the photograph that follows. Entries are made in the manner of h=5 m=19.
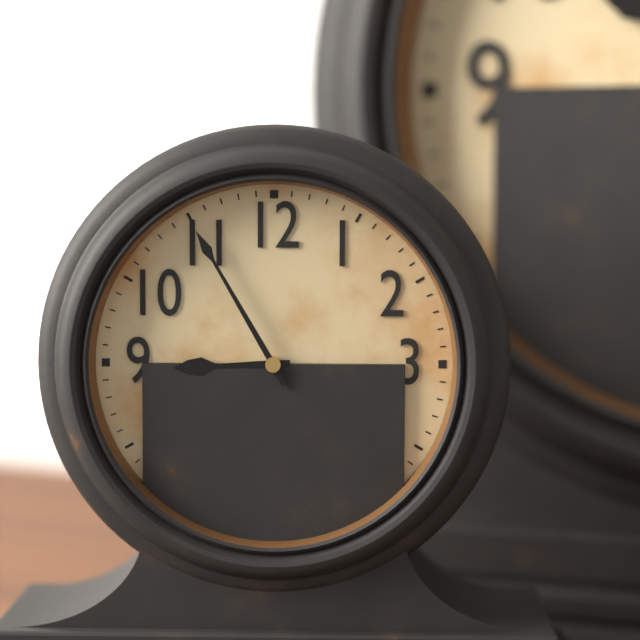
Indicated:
h=8 m=55
